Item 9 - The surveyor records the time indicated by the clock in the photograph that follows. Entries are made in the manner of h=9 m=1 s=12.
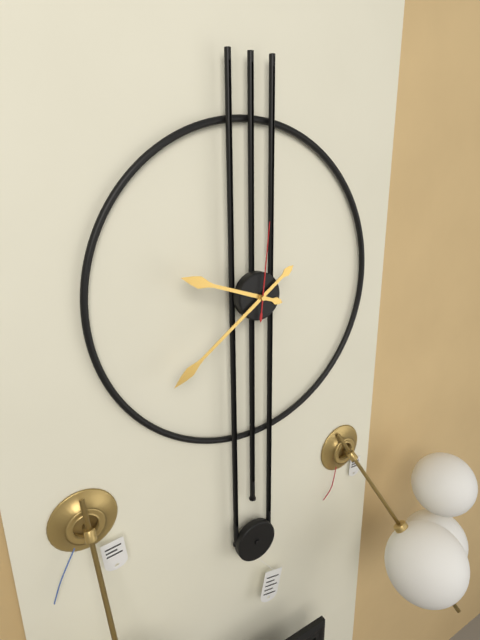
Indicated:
h=9 m=39 s=1
